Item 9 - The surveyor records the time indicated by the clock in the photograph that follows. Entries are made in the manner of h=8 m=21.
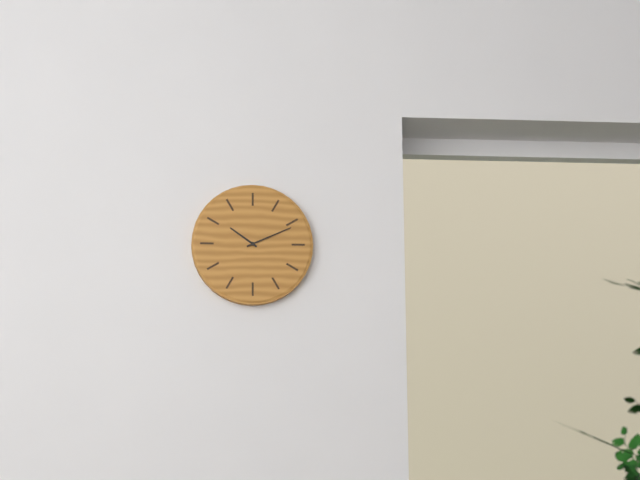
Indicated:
h=10 m=11
